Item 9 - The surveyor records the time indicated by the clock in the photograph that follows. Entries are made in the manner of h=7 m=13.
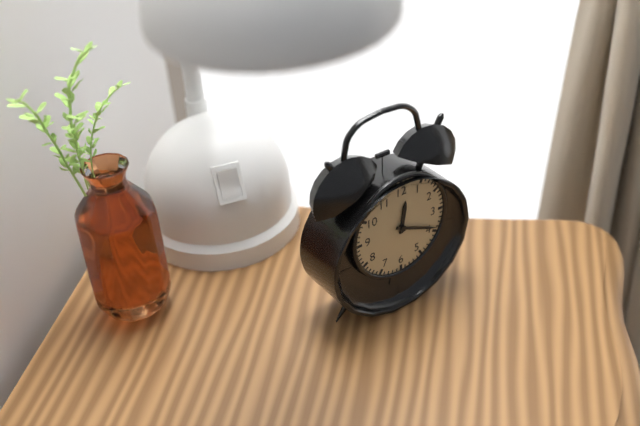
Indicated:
h=12 m=19
